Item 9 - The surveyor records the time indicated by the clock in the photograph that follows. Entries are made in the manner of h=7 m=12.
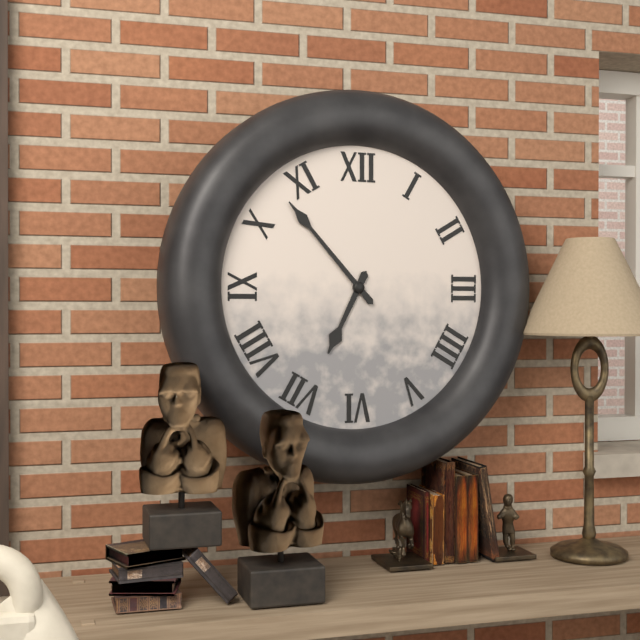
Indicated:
h=6 m=53
